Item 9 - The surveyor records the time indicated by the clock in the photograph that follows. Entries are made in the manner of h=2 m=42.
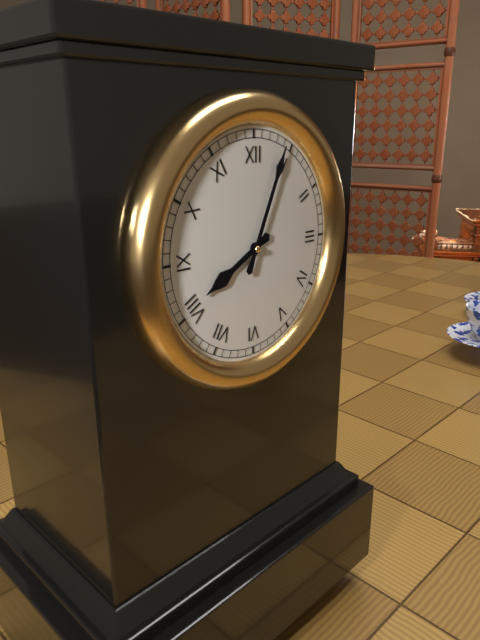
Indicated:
h=8 m=4
